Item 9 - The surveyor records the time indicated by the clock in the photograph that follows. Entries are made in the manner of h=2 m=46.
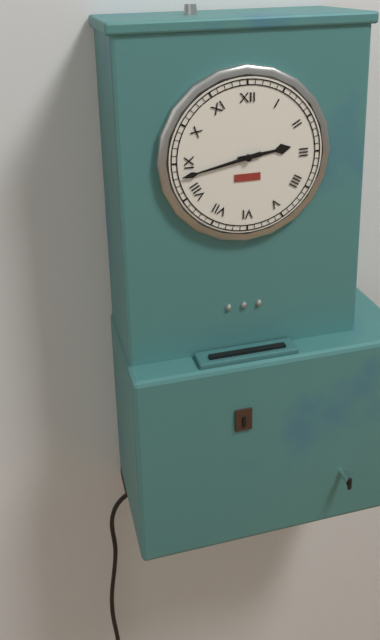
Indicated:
h=2 m=43
